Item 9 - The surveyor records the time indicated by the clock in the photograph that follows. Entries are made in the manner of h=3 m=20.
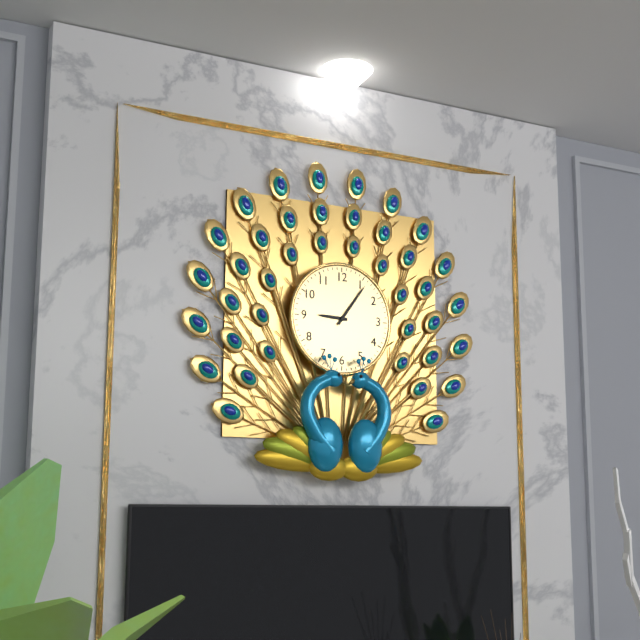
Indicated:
h=9 m=6
